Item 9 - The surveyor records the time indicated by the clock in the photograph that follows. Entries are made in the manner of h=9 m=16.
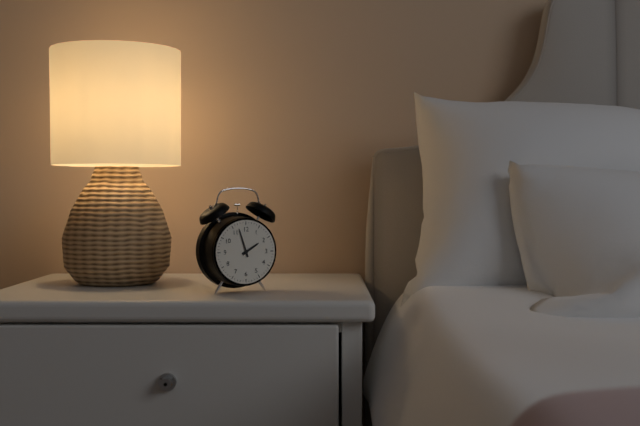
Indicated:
h=1 m=57
